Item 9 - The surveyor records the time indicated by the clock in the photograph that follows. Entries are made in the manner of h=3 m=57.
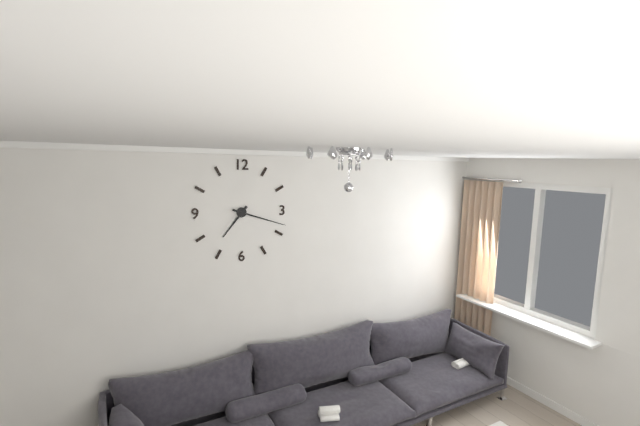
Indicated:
h=7 m=18
